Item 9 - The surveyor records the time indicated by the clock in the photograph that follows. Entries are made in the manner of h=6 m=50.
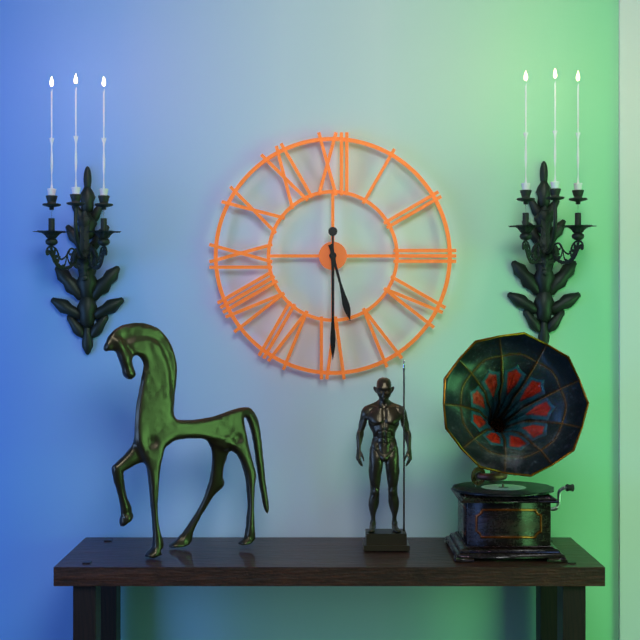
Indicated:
h=5 m=30
